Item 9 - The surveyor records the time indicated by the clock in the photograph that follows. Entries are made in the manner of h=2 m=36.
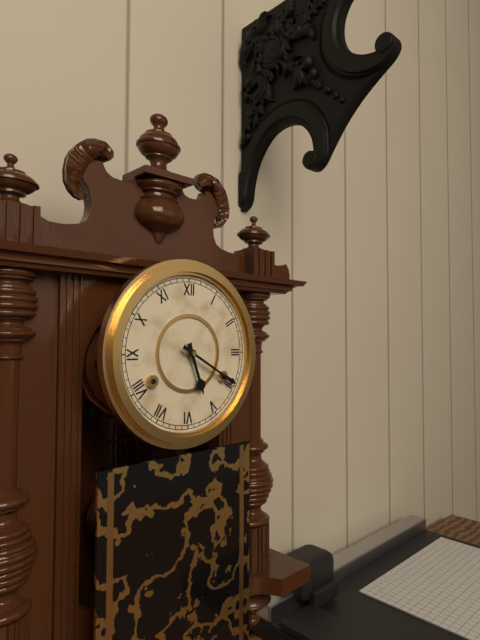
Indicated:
h=5 m=20
